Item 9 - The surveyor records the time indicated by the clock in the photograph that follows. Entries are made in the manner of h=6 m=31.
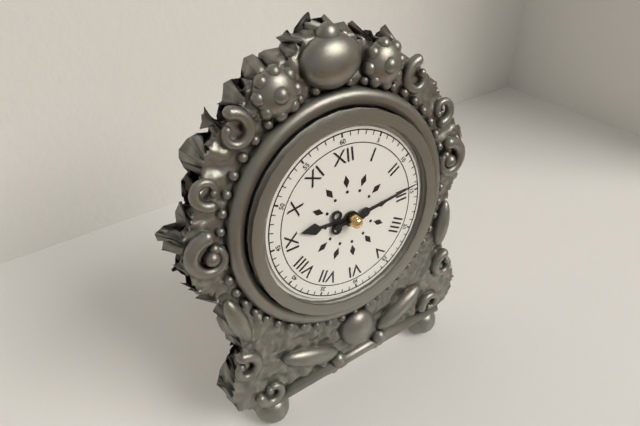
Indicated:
h=9 m=14
